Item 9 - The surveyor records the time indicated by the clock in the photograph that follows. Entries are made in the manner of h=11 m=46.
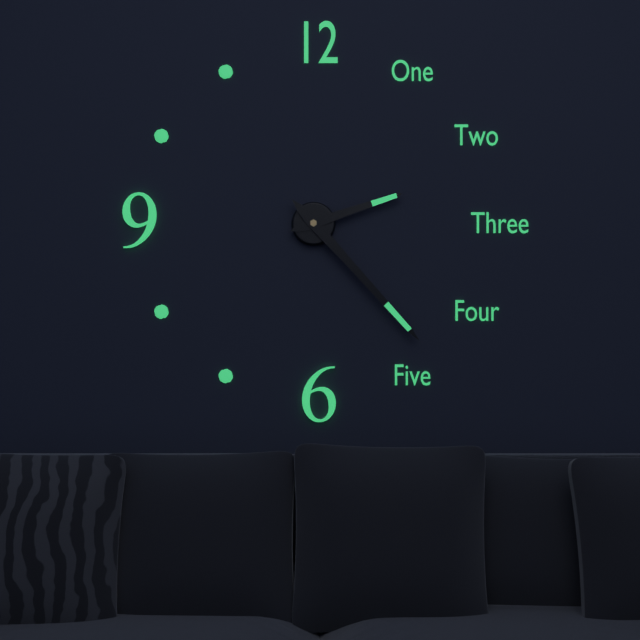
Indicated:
h=2 m=23
